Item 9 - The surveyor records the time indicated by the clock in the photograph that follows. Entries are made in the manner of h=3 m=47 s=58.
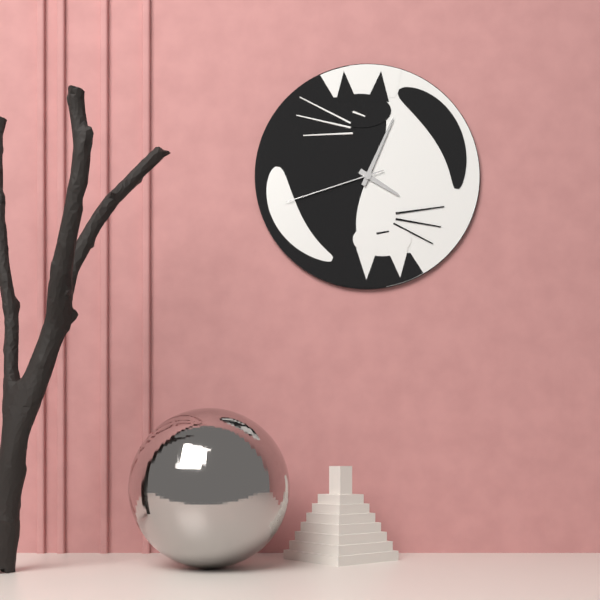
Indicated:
h=4 m=4 s=42
